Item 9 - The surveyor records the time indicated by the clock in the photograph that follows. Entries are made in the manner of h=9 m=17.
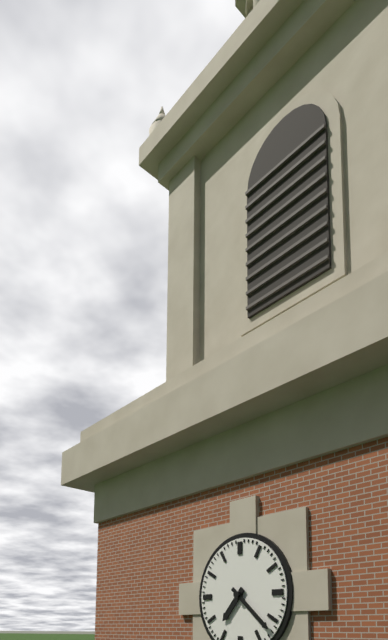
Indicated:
h=7 m=22
